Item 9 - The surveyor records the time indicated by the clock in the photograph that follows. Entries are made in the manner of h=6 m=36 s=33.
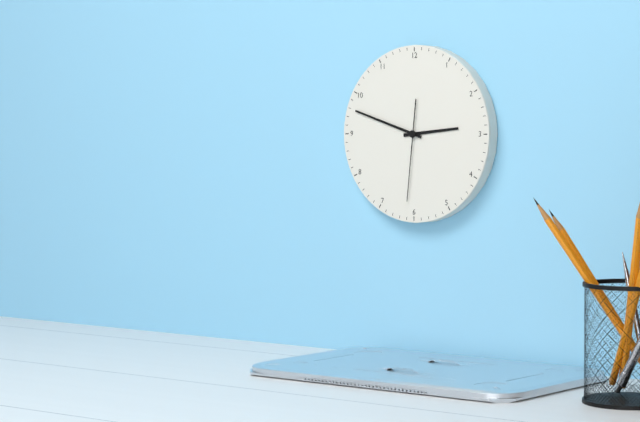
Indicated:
h=2 m=48 s=31
